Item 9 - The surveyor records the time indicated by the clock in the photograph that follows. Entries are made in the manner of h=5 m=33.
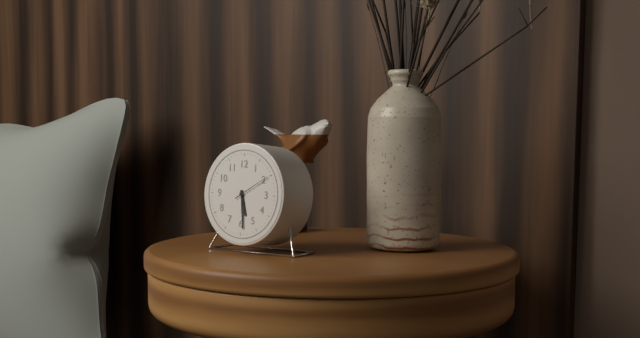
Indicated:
h=5 m=29
